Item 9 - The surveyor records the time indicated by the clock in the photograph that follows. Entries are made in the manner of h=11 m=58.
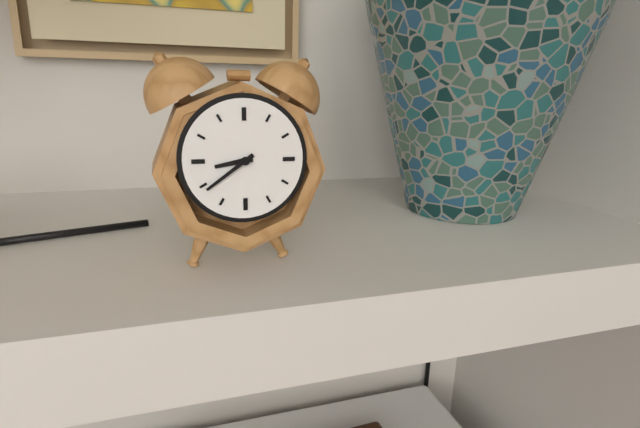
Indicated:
h=8 m=39
